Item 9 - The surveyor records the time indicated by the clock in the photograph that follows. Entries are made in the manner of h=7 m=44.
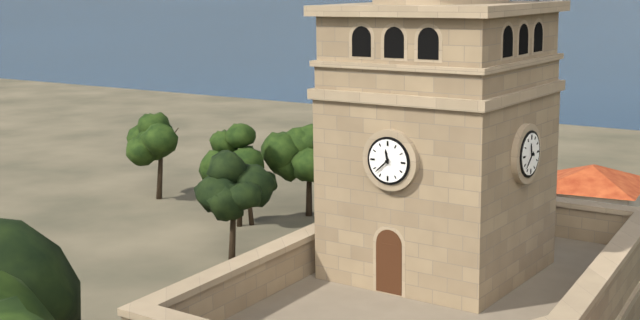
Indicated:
h=11 m=38
